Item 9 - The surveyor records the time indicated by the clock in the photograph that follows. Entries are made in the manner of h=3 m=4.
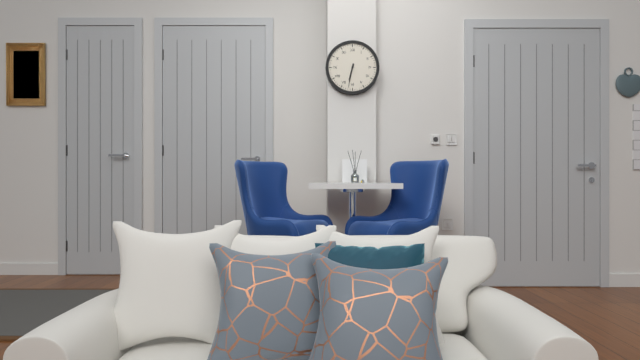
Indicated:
h=6 m=32
